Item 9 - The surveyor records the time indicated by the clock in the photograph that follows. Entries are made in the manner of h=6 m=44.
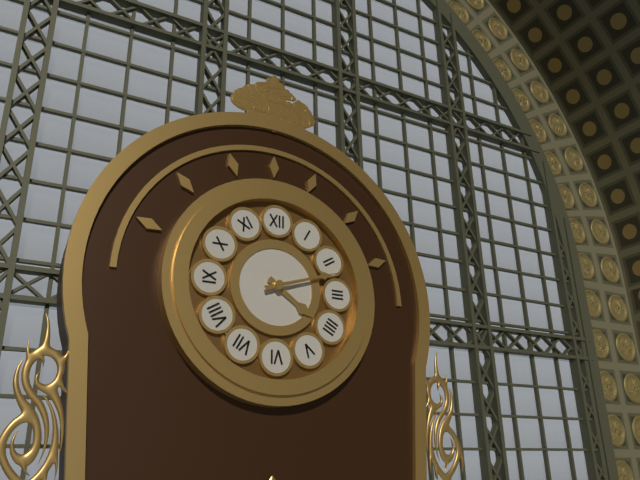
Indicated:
h=4 m=12
